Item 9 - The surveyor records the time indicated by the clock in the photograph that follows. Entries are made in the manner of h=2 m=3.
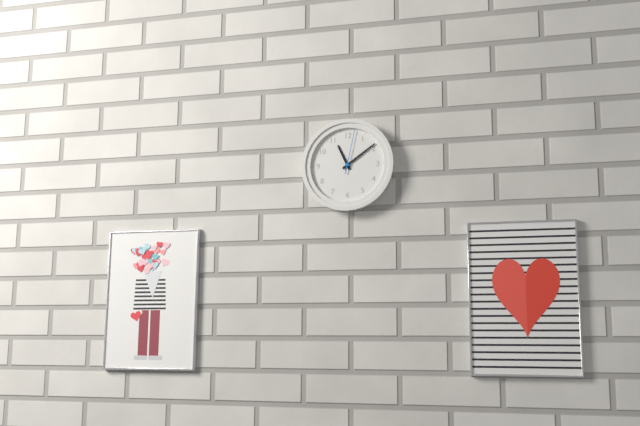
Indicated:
h=11 m=9
